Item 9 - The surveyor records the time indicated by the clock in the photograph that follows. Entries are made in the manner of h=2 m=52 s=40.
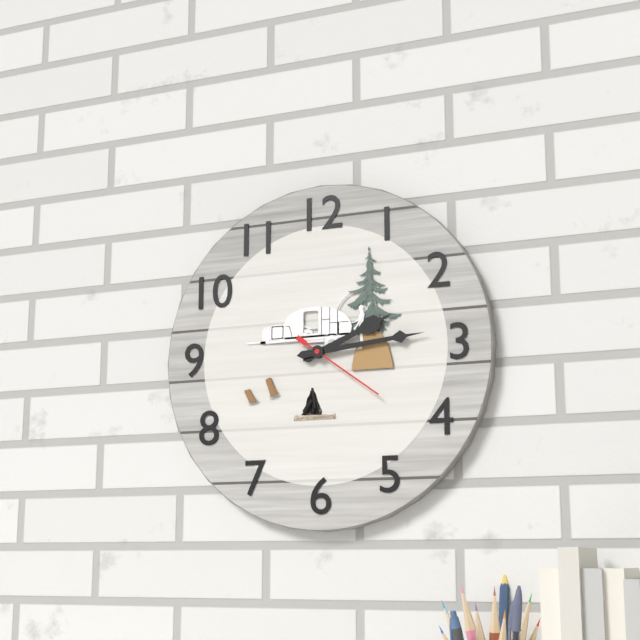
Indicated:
h=2 m=14 s=21
